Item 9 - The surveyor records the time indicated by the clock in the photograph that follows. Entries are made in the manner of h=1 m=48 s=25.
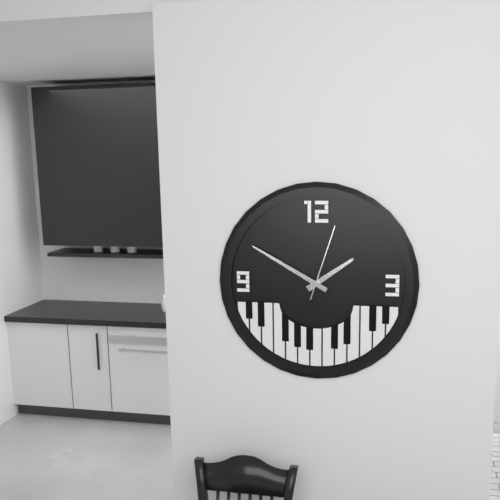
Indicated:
h=1 m=50 s=3
